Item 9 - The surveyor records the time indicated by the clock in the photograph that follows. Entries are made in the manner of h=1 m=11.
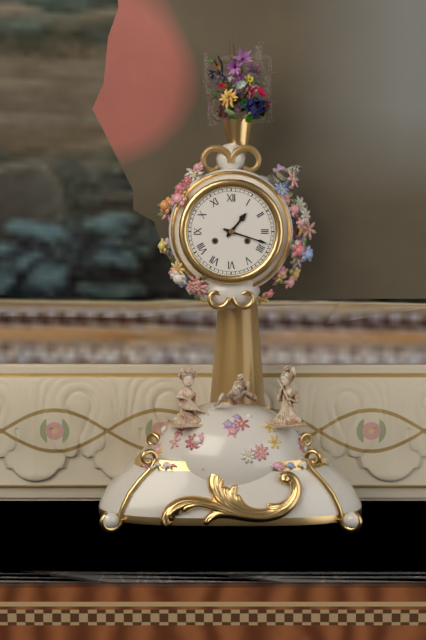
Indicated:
h=1 m=18
